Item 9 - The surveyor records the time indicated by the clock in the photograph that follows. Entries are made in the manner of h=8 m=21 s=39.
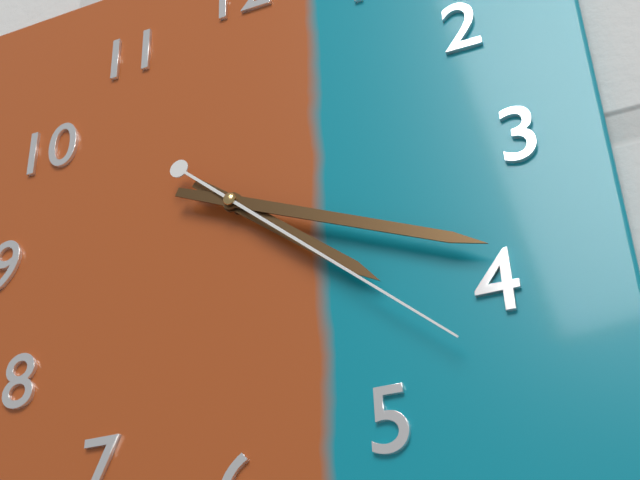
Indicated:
h=4 m=19 s=22
